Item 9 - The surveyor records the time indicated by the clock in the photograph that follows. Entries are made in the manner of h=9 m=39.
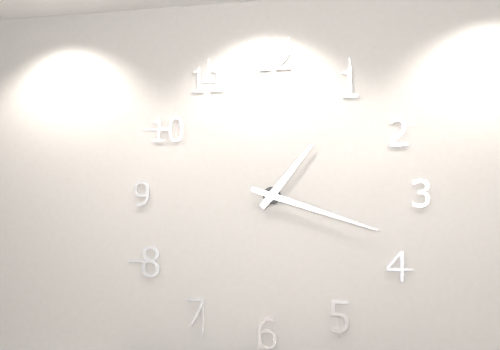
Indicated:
h=1 m=18
